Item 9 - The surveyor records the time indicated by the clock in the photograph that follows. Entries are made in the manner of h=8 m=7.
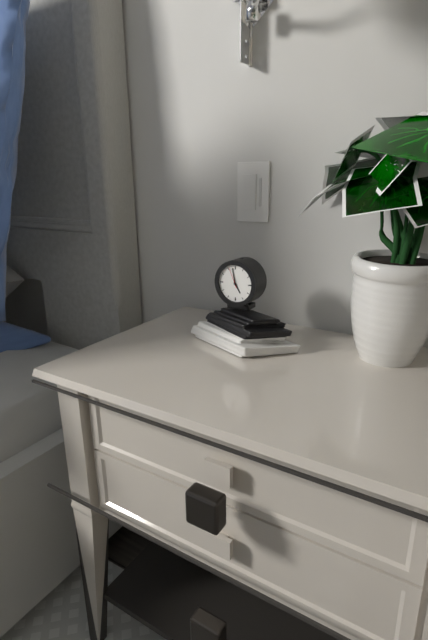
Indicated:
h=4 m=58
